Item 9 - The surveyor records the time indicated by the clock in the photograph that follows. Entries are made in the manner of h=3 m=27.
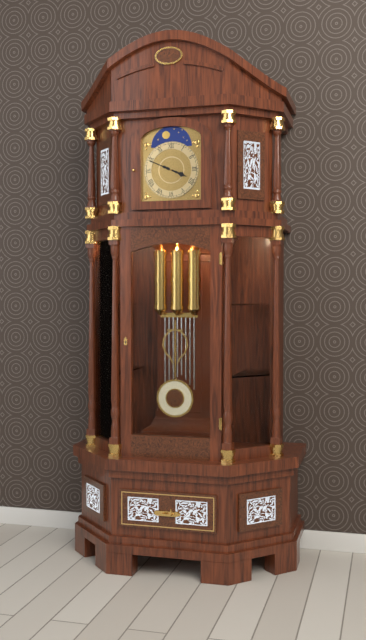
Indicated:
h=3 m=49
